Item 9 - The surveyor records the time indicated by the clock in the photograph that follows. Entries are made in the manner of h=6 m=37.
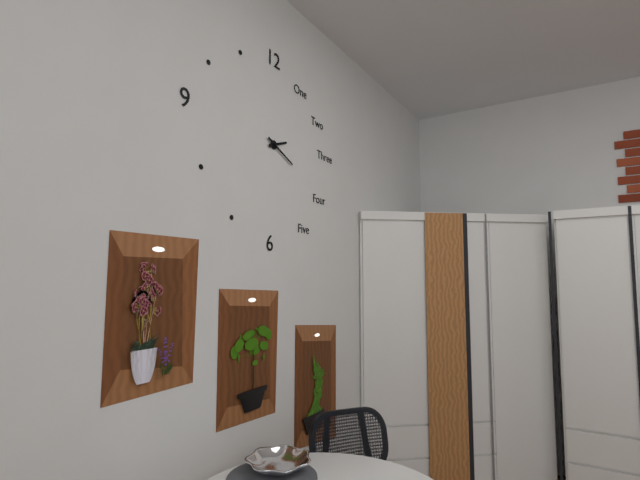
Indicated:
h=2 m=19
